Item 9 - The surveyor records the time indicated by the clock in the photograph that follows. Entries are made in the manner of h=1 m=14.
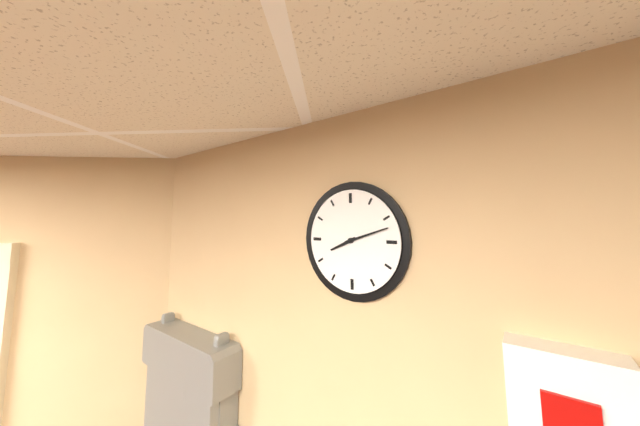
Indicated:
h=8 m=12
